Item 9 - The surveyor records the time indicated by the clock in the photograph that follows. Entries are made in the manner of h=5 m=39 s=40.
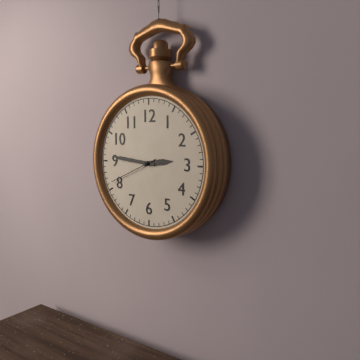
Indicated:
h=2 m=46 s=41
